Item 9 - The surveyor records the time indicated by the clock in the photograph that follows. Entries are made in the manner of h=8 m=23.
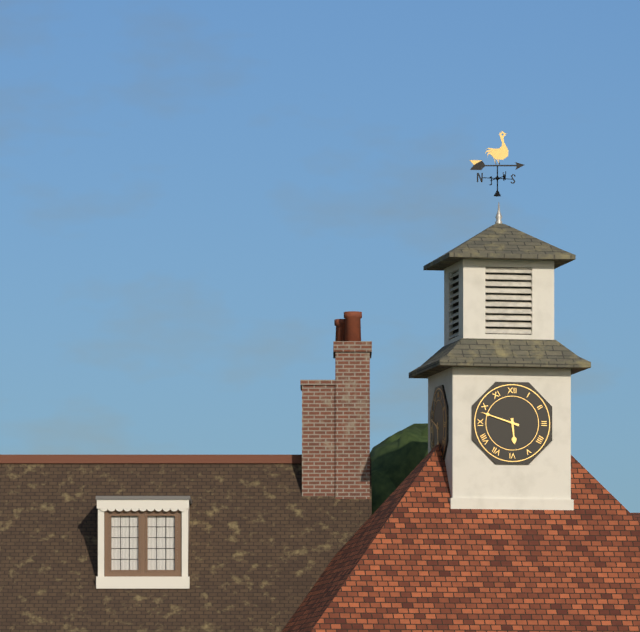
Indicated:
h=5 m=48
